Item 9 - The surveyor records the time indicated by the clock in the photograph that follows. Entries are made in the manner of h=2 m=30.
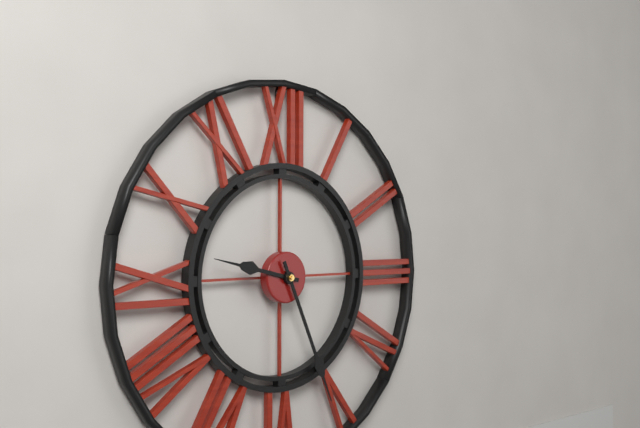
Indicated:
h=9 m=26
